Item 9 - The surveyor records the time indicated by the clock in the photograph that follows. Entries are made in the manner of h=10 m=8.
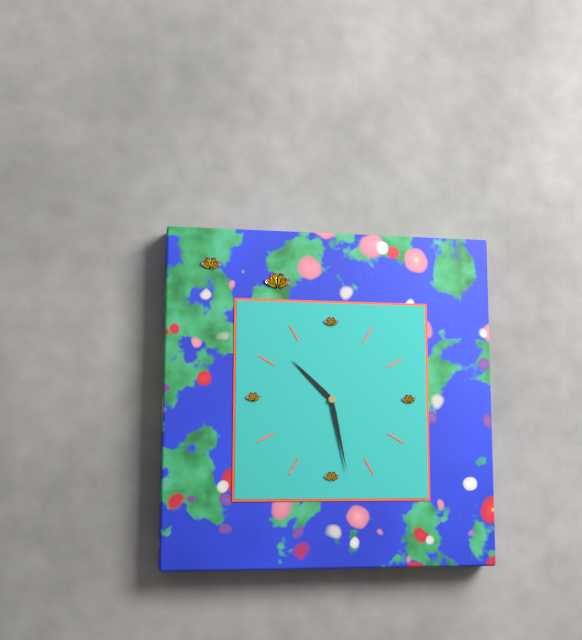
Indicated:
h=10 m=28
